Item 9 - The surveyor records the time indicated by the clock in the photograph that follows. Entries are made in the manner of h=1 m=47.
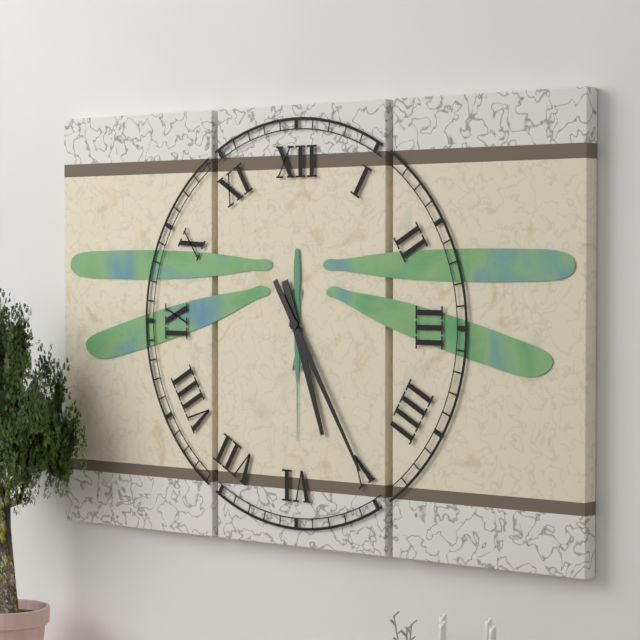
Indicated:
h=5 m=25
